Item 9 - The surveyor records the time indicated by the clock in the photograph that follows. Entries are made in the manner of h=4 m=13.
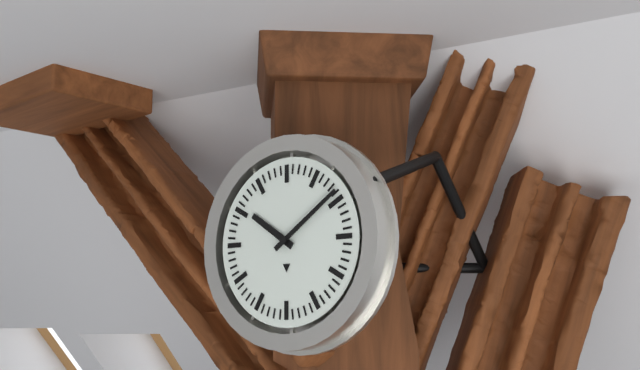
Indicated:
h=10 m=9
